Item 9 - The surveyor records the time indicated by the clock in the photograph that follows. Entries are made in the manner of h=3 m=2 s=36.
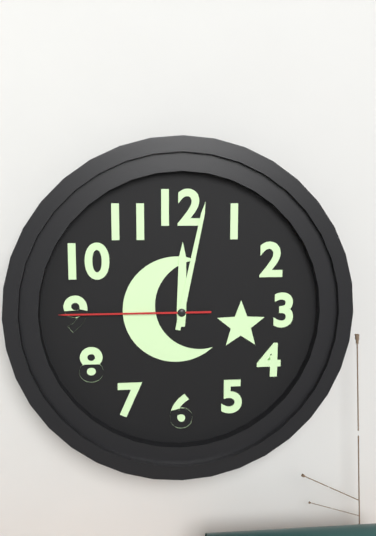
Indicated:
h=12 m=2 s=45
